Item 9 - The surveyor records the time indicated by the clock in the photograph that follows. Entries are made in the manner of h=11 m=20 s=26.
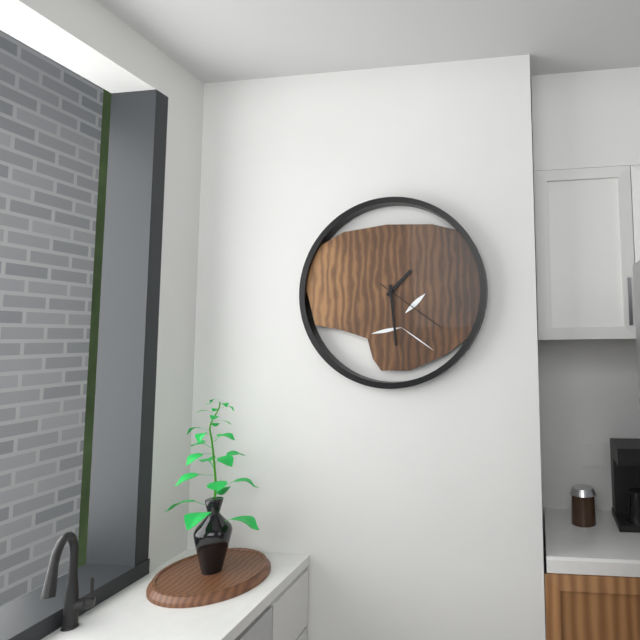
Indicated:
h=1 m=29 s=21
